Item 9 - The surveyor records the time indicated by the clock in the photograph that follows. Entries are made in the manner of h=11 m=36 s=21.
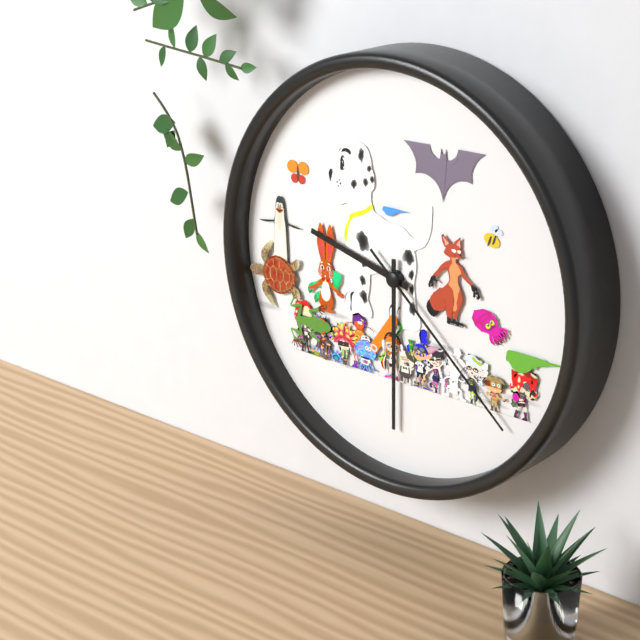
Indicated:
h=9 m=30 s=22
